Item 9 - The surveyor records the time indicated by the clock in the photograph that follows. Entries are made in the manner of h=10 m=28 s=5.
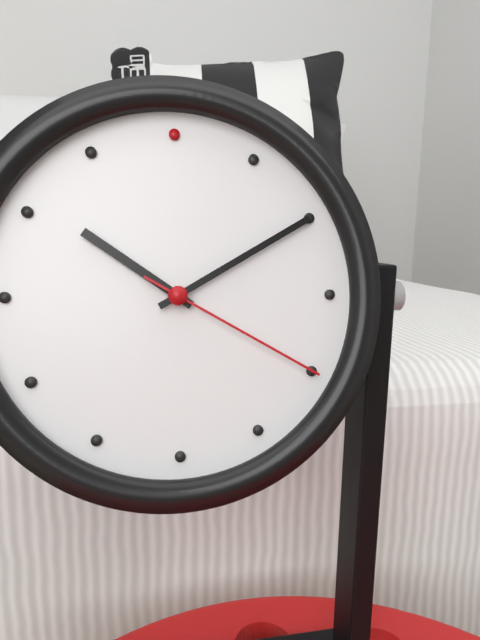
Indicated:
h=10 m=10 s=20
